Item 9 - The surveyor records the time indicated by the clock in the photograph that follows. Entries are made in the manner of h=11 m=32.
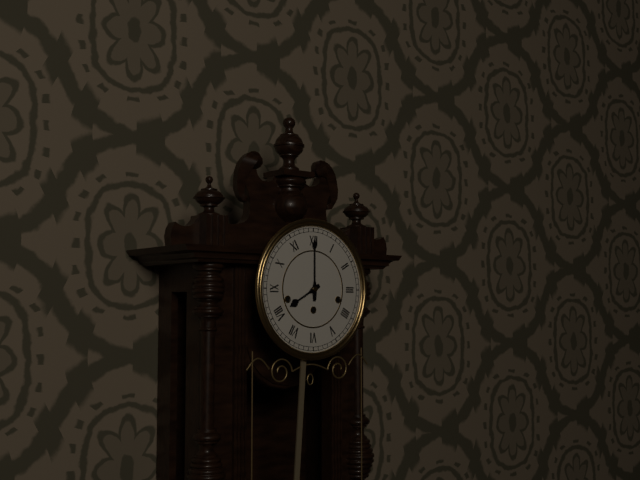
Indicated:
h=8 m=0
